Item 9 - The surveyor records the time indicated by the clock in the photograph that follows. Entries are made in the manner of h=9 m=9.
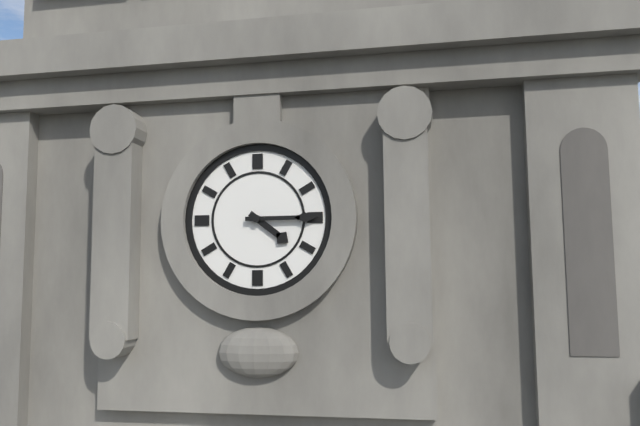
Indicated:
h=4 m=15
